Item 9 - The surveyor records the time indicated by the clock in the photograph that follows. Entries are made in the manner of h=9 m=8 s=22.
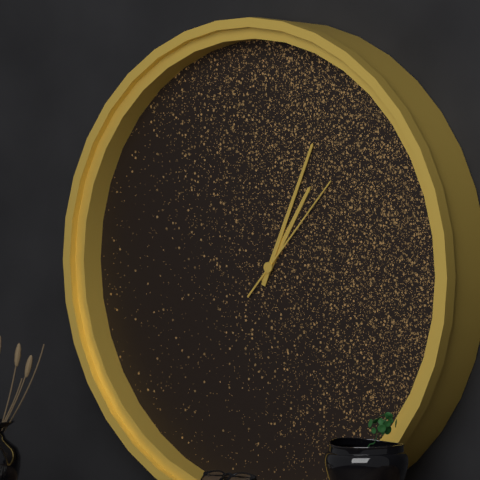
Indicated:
h=1 m=4 s=7
